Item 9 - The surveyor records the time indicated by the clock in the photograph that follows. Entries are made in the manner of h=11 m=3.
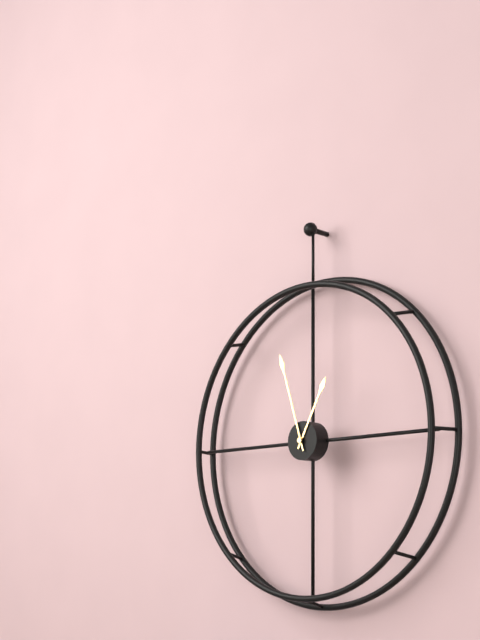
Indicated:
h=12 m=57
